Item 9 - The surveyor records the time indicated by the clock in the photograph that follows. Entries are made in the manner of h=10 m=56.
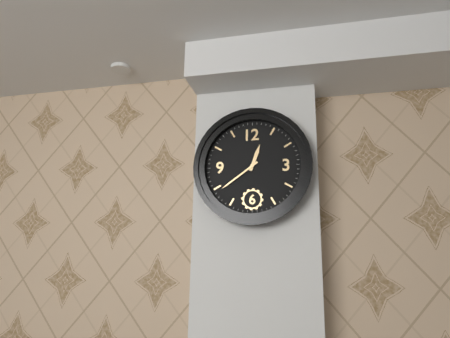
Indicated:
h=12 m=39
